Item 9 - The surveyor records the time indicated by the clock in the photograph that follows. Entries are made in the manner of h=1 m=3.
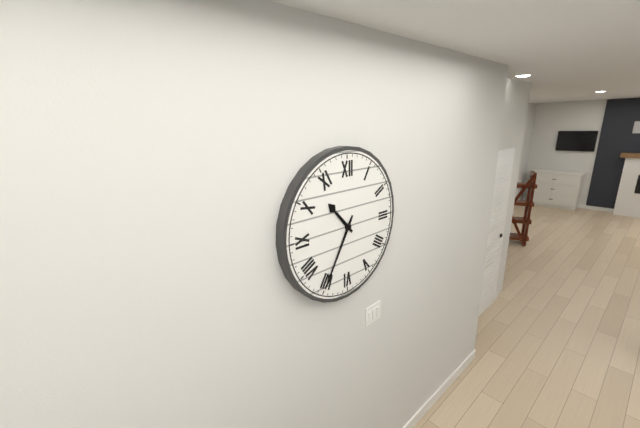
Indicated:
h=10 m=35
